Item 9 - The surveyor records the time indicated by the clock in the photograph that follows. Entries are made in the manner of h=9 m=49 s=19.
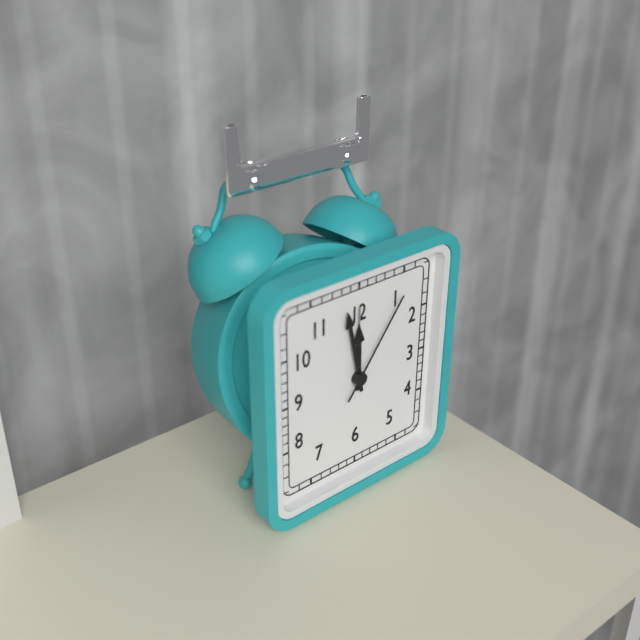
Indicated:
h=11 m=58 s=6
